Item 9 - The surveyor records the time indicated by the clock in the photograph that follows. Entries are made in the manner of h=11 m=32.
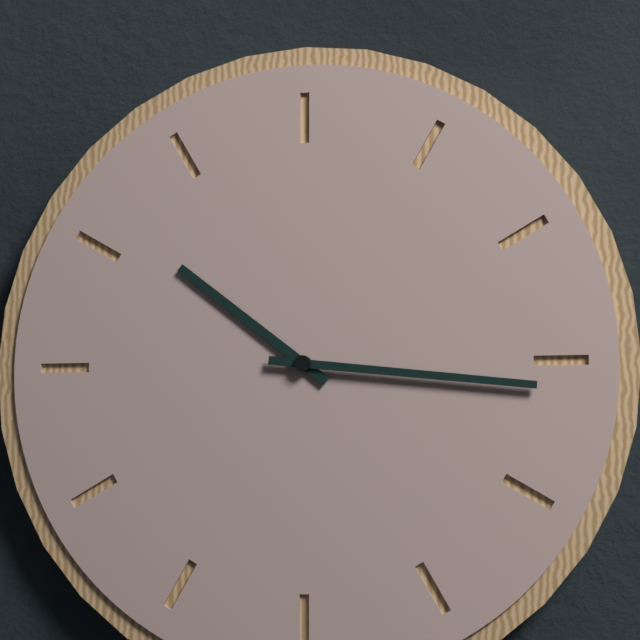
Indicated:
h=10 m=16
